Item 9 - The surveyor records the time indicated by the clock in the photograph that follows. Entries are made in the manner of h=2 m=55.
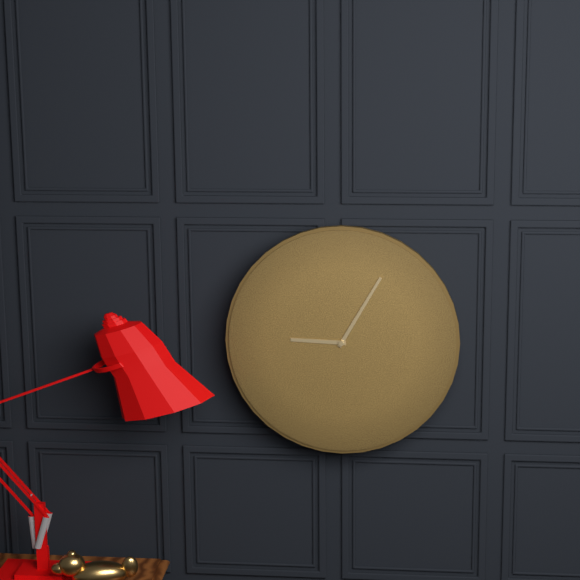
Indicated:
h=9 m=5
